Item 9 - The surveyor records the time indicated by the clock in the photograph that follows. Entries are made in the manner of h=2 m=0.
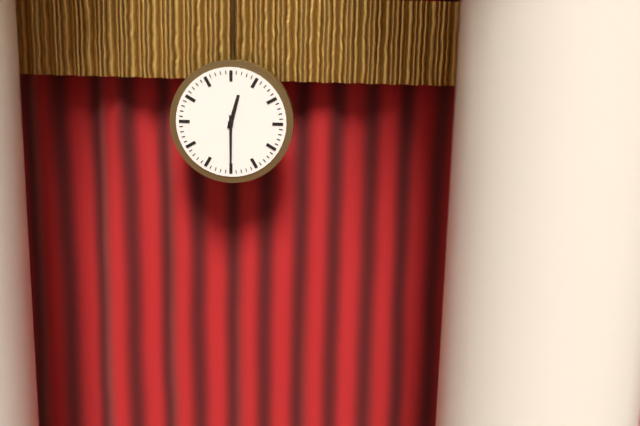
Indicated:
h=12 m=30
